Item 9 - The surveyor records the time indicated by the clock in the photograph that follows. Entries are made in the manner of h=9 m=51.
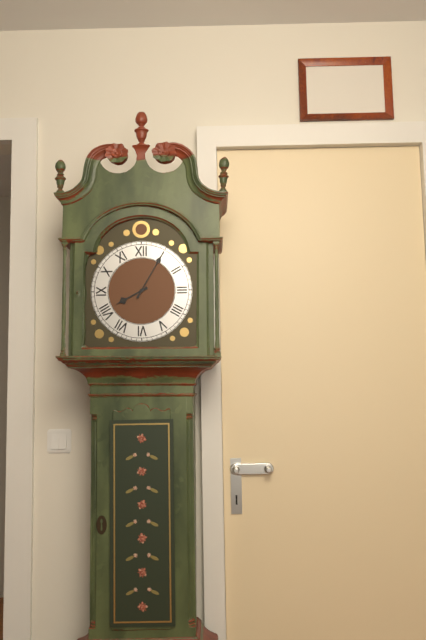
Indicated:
h=8 m=5
